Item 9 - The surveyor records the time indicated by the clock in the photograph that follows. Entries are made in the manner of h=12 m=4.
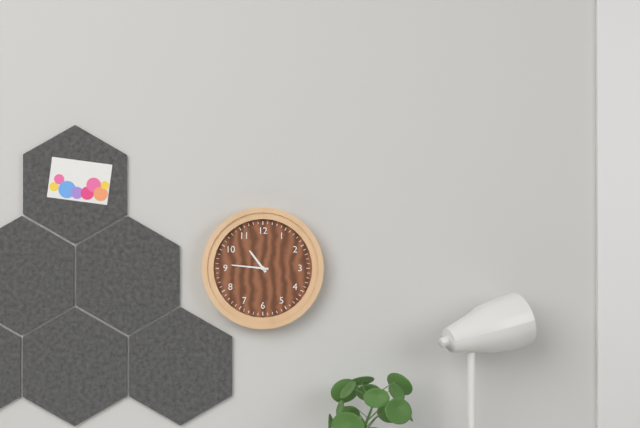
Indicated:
h=10 m=46
